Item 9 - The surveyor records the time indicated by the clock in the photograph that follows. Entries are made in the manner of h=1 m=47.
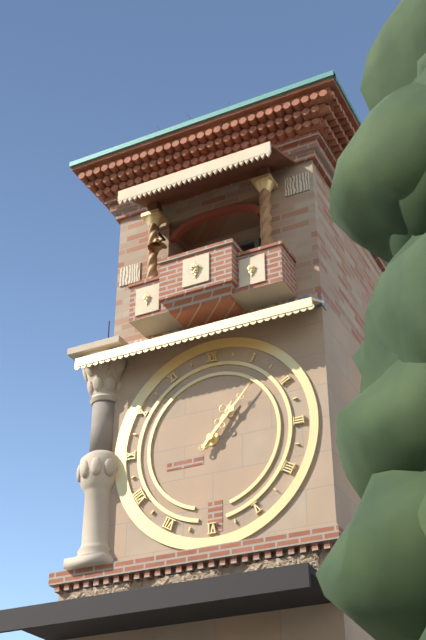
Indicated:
h=1 m=7
